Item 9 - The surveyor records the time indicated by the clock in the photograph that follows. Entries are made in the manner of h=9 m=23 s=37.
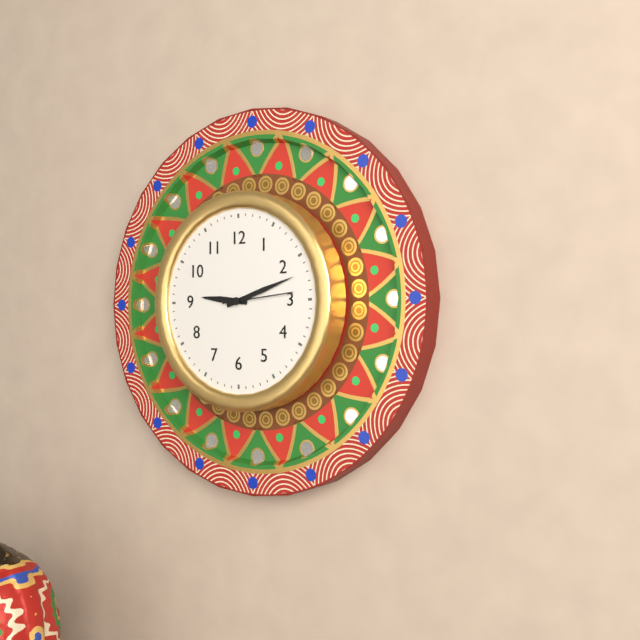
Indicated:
h=9 m=12 s=14
